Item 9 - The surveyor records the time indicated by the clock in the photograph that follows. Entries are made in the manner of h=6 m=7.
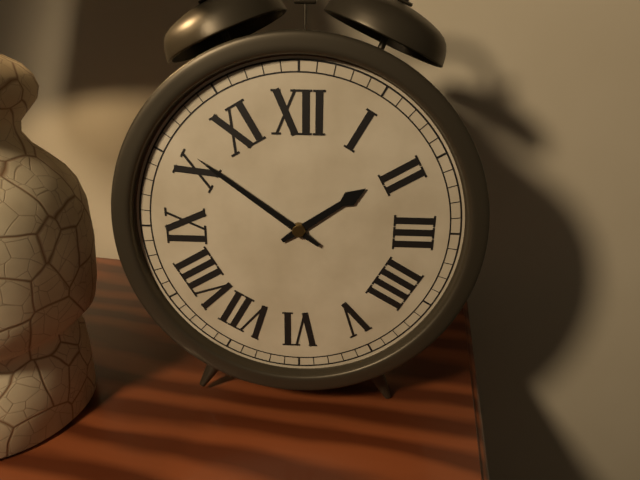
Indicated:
h=1 m=51
